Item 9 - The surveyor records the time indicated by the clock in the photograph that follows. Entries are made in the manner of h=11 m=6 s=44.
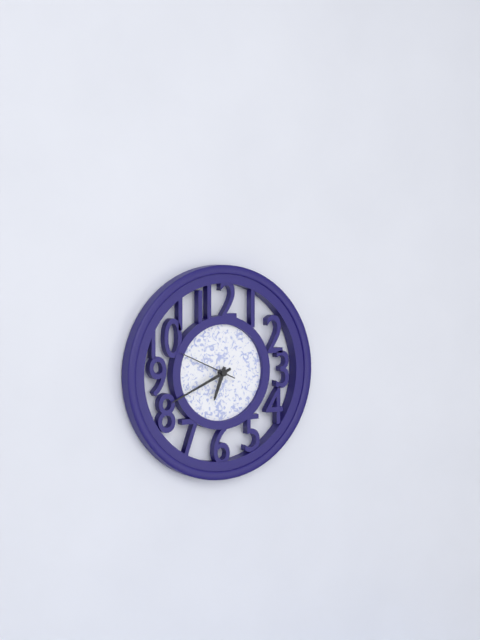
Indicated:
h=6 m=41 s=49
